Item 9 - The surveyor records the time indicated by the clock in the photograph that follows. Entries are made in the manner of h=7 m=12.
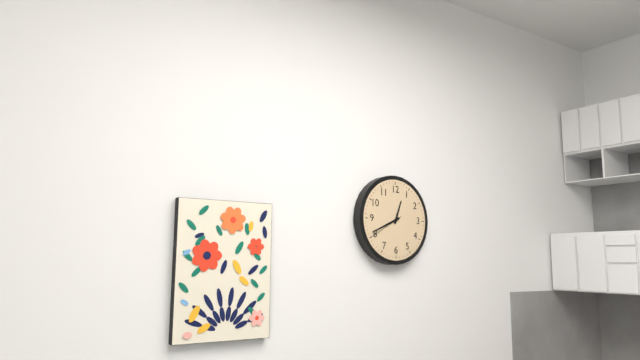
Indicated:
h=12 m=41
